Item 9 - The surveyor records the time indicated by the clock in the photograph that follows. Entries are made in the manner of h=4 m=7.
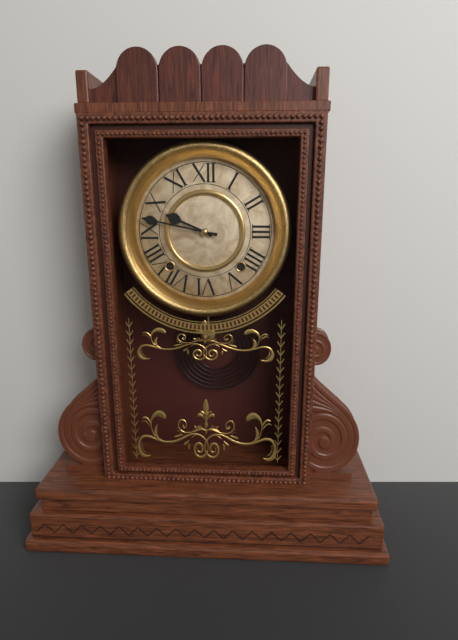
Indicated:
h=9 m=47
